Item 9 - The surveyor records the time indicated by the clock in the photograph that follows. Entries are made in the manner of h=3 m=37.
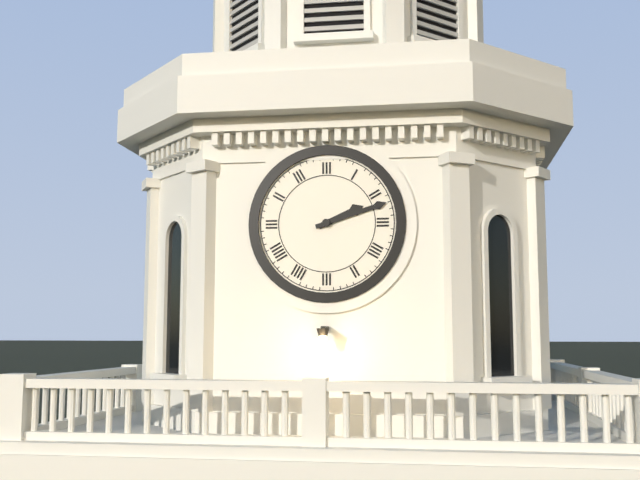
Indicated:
h=2 m=12
